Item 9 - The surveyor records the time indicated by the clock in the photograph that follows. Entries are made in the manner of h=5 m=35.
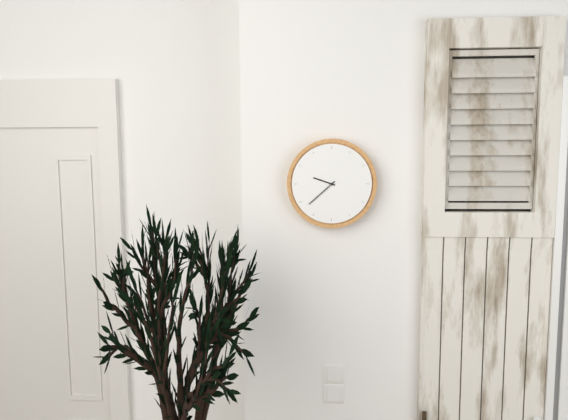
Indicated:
h=9 m=38
